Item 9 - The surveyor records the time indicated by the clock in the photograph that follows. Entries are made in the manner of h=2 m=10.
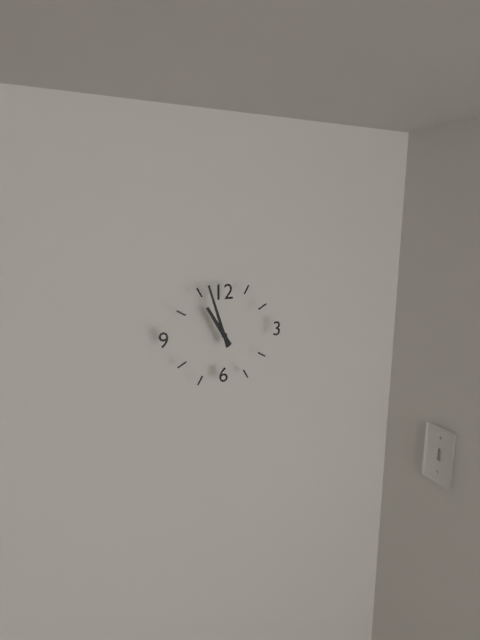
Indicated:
h=10 m=57
